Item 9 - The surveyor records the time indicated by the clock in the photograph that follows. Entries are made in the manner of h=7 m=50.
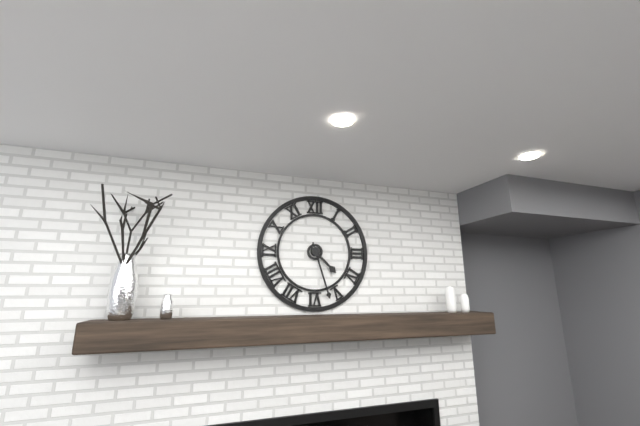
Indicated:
h=4 m=27
